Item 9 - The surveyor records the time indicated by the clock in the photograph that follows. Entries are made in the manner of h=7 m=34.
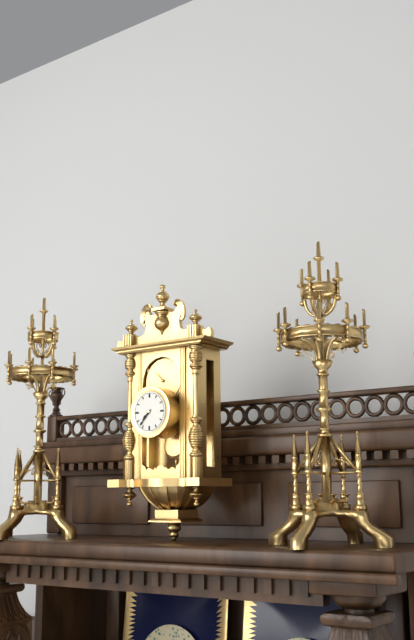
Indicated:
h=7 m=37
